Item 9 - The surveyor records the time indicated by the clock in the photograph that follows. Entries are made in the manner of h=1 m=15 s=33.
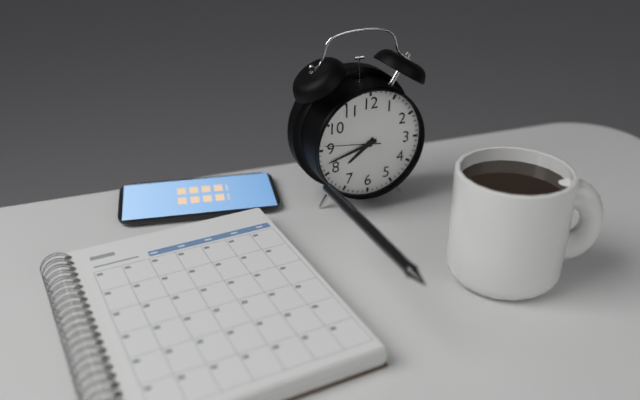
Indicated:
h=7 m=42 s=46
